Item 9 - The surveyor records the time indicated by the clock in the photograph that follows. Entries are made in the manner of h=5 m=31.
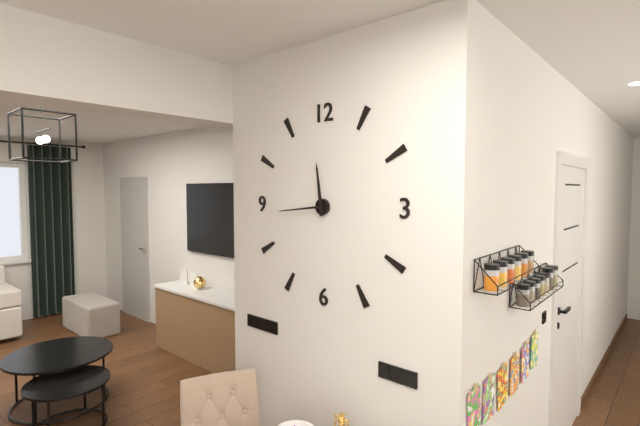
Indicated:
h=11 m=44
